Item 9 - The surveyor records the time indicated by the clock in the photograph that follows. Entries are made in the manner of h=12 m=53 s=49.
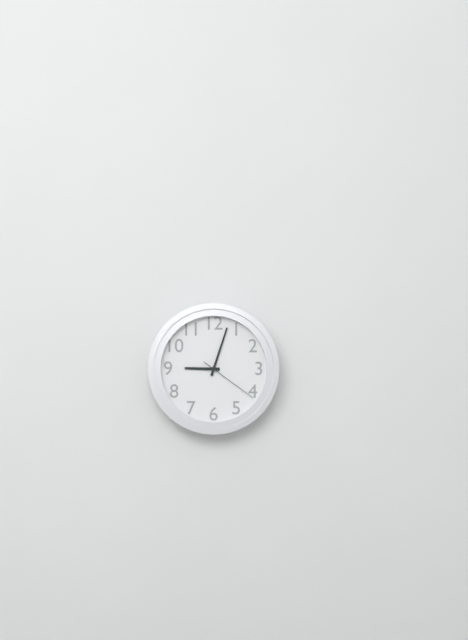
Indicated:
h=9 m=3 s=21
